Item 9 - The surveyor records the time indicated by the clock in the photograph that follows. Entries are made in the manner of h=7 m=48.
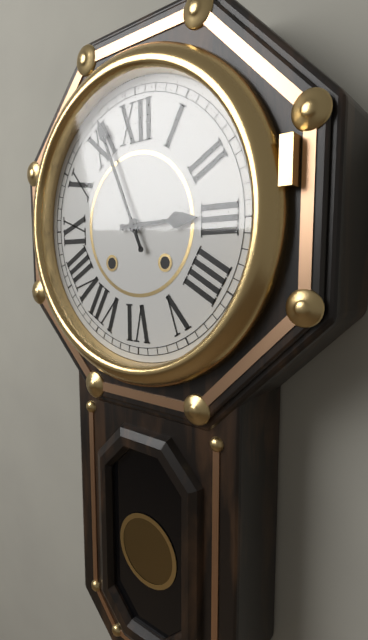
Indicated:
h=2 m=56
